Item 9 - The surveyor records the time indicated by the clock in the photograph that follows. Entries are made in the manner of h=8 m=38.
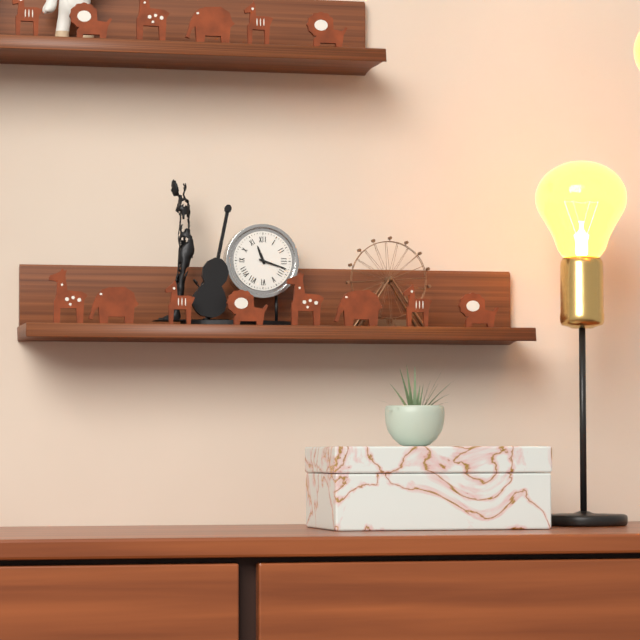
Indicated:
h=11 m=18
